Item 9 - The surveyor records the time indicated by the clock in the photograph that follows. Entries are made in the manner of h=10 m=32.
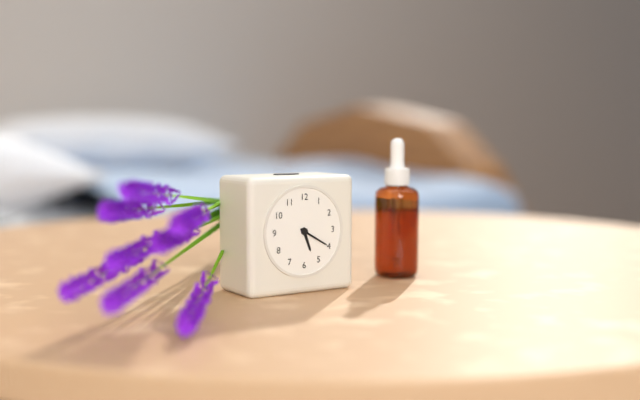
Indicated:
h=5 m=20
